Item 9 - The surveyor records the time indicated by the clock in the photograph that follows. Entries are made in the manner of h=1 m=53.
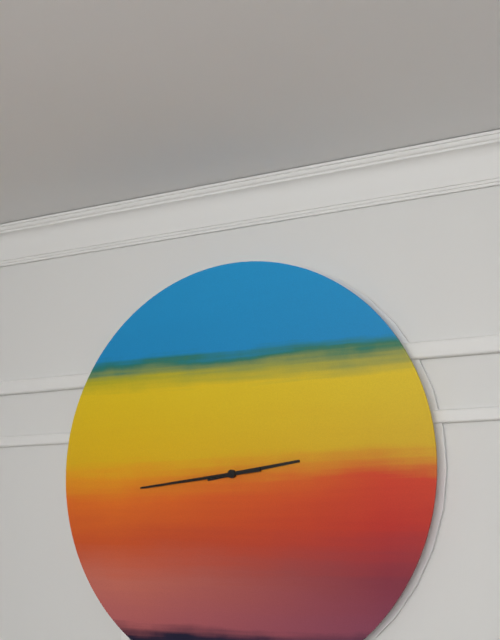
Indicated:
h=2 m=44
